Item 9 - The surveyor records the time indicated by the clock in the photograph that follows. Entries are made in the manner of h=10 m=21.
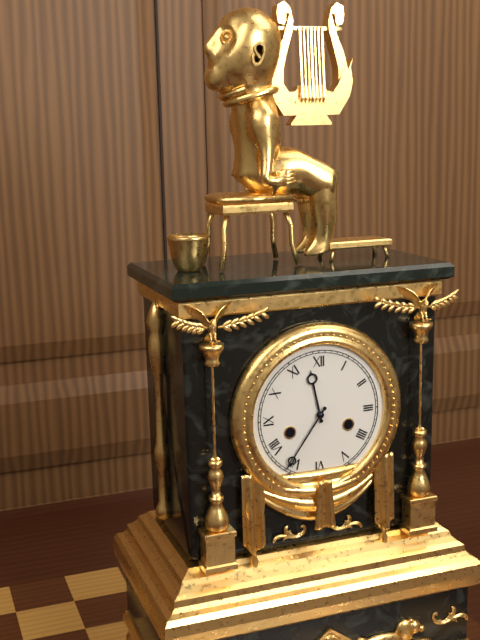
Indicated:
h=11 m=36
